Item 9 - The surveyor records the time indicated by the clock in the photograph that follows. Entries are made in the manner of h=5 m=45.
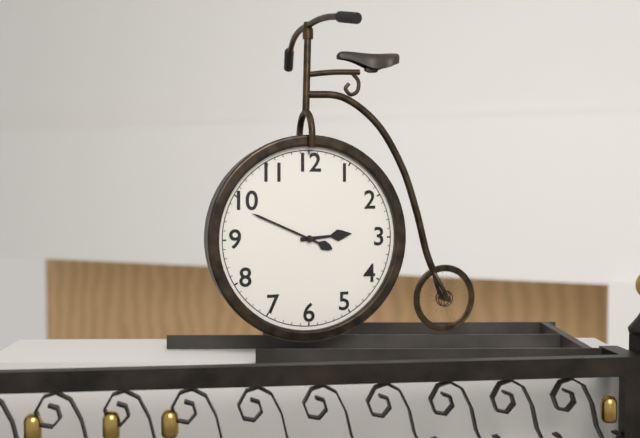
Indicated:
h=2 m=49
